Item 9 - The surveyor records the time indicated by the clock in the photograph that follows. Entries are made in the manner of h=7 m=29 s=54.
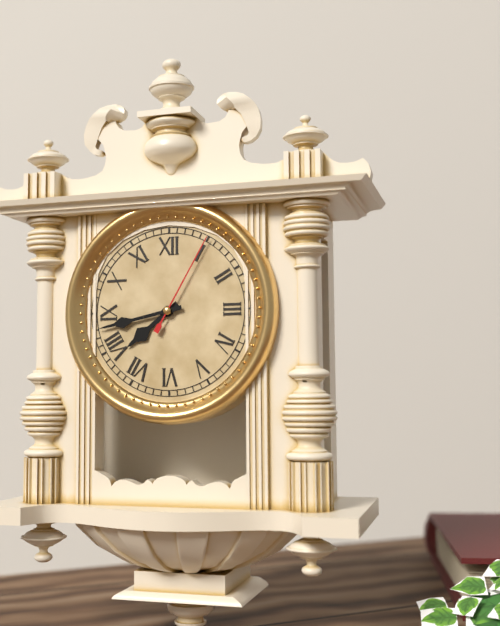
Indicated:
h=7 m=43 s=5
